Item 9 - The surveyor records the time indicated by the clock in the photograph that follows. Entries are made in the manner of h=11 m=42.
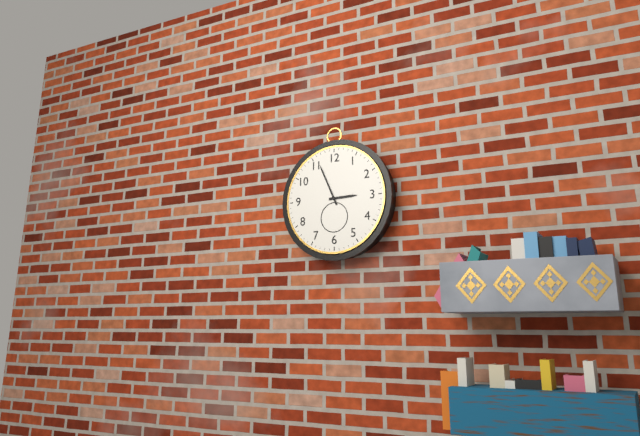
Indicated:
h=2 m=56
